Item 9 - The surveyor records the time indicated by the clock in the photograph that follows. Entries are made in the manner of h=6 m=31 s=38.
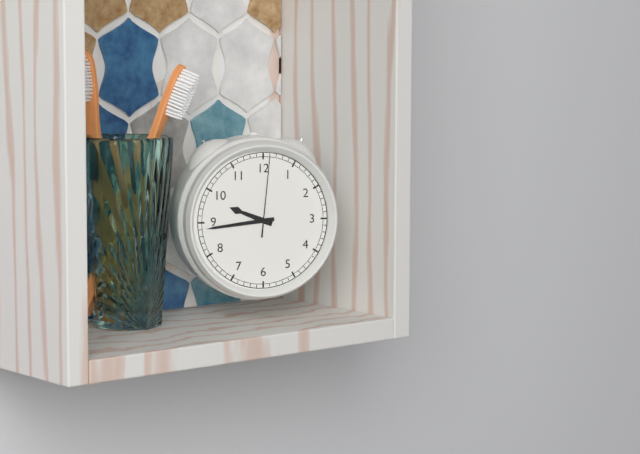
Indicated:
h=9 m=44 s=1
